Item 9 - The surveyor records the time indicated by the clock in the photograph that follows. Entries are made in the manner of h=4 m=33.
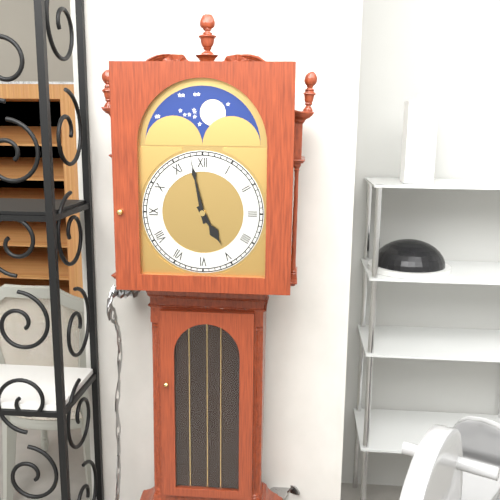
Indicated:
h=4 m=58
